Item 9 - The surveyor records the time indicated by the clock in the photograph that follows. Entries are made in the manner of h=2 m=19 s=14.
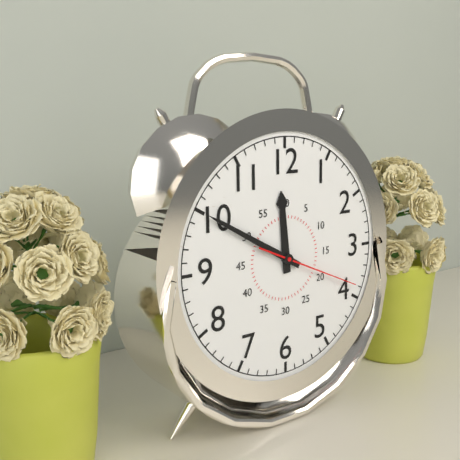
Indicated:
h=11 m=50 s=19
